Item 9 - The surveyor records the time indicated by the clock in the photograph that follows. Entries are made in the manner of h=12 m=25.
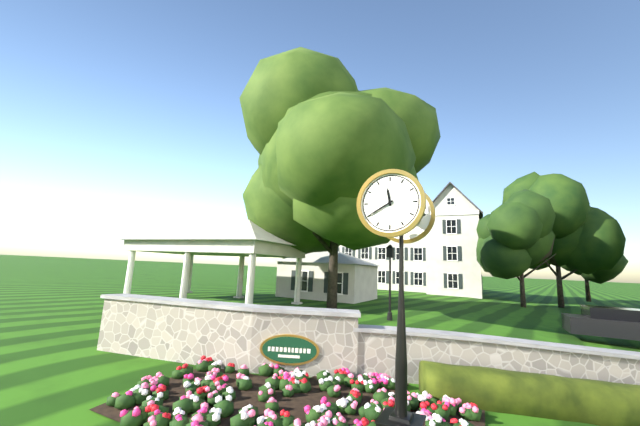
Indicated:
h=11 m=40
